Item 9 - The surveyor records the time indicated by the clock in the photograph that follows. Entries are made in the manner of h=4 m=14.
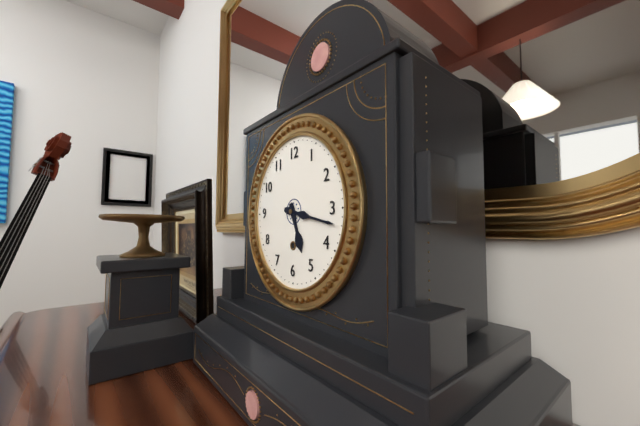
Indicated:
h=5 m=17
